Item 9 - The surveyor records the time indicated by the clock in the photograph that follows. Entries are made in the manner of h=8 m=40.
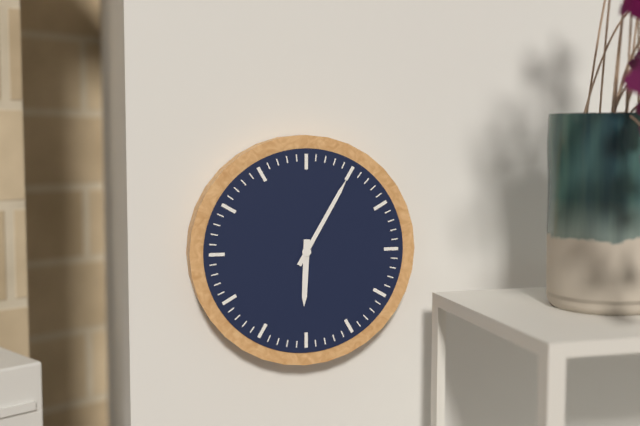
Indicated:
h=6 m=5
